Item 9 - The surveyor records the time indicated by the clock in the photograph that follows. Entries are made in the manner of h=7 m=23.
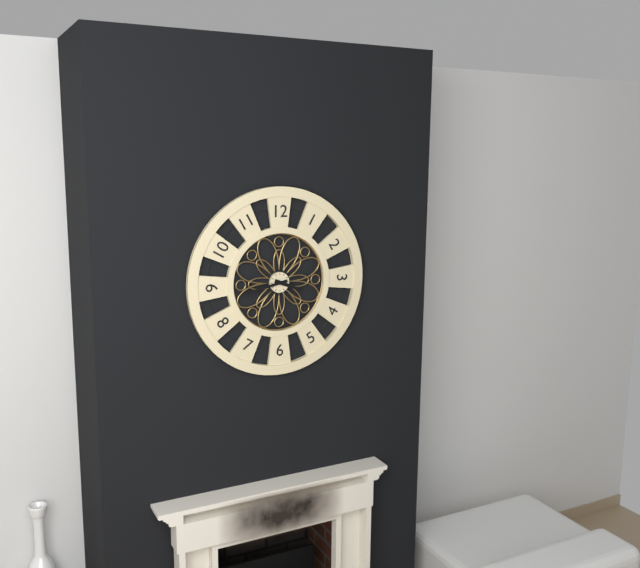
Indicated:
h=3 m=43
